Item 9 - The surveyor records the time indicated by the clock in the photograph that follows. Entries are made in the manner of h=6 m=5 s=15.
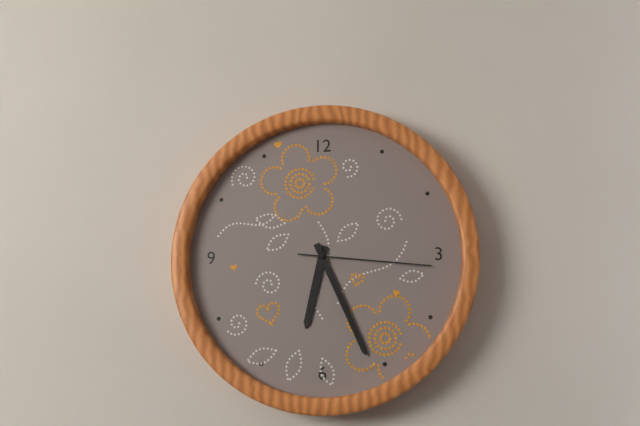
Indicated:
h=6 m=26 s=16
